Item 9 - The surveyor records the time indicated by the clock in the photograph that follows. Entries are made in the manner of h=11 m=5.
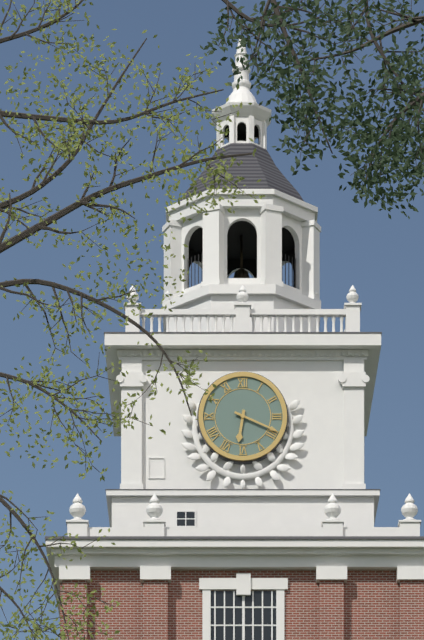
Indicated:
h=6 m=19
